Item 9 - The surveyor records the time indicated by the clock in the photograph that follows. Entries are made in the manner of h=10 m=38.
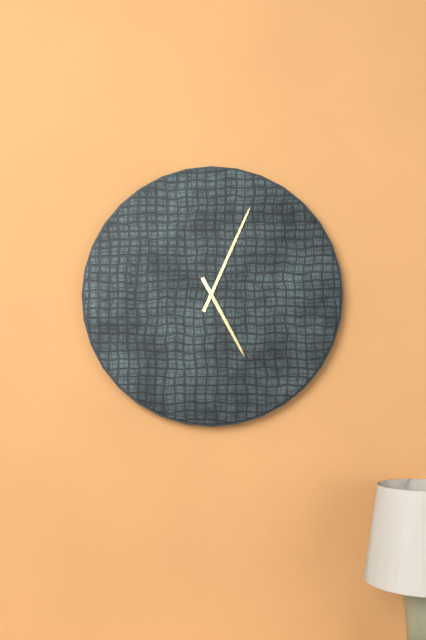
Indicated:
h=5 m=4
